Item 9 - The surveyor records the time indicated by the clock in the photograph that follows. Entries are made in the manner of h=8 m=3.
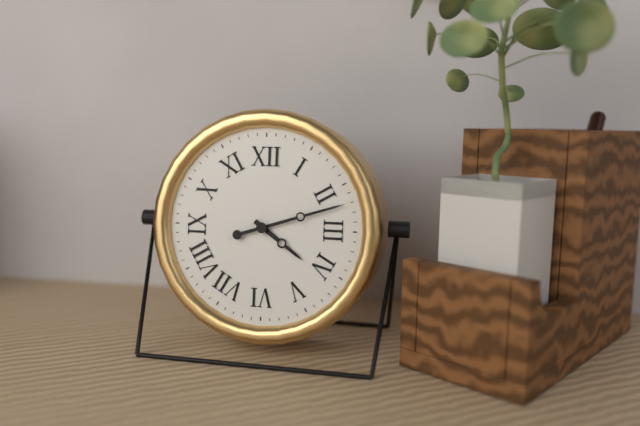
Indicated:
h=4 m=12
